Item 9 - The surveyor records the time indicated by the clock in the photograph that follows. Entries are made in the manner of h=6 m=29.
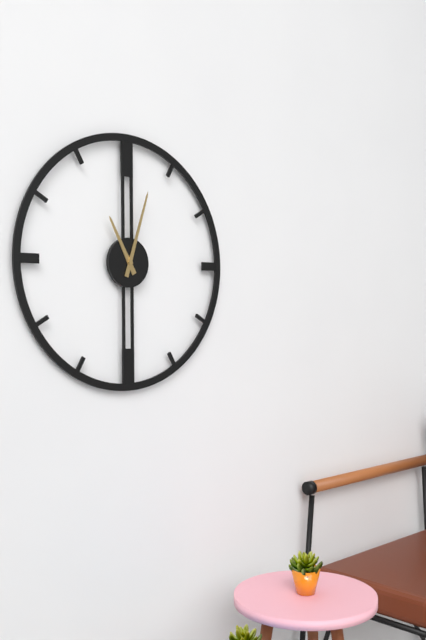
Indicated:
h=11 m=3
